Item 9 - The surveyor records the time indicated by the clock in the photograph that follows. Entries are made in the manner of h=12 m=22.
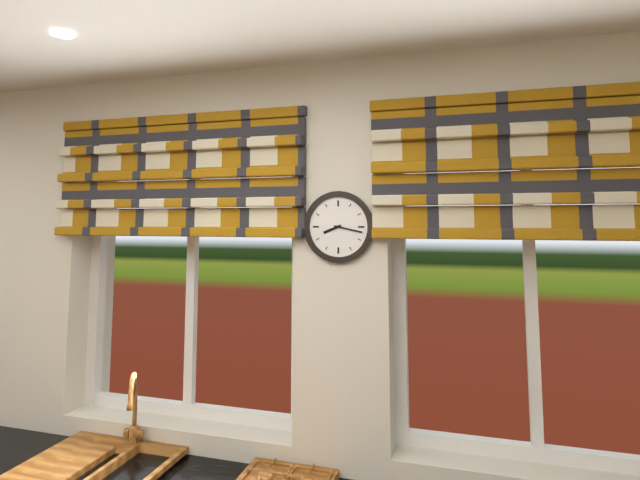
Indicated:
h=8 m=17
